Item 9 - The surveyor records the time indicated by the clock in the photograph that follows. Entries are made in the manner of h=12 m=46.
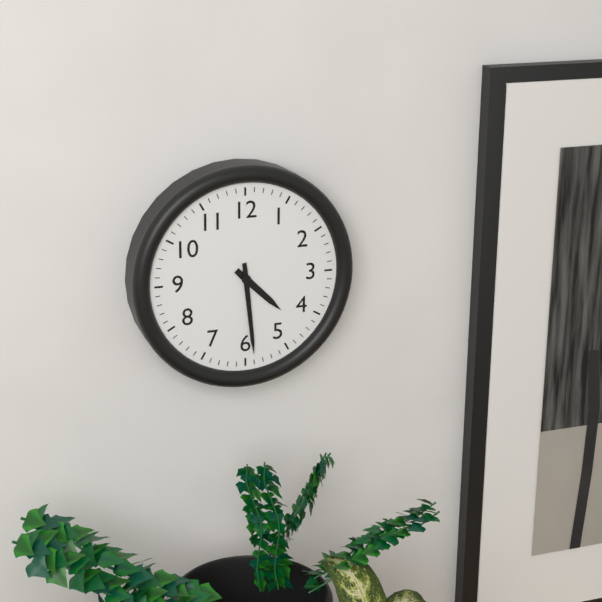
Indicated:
h=4 m=29
